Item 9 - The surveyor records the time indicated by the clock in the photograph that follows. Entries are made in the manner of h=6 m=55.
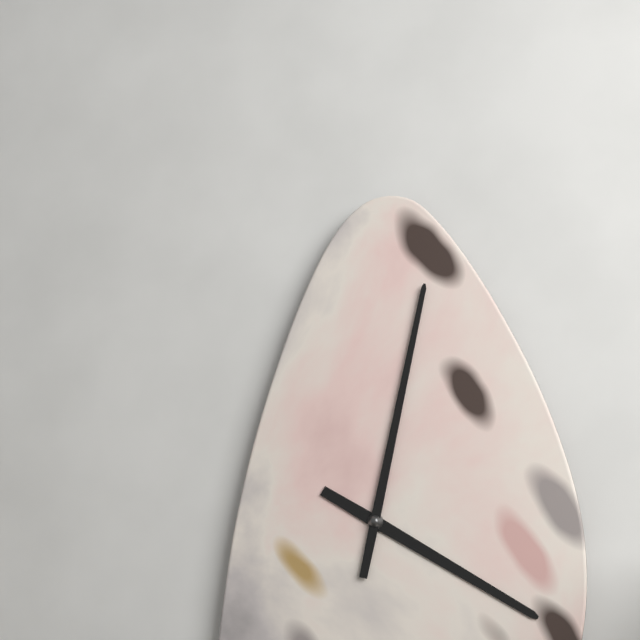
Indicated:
h=4 m=2
